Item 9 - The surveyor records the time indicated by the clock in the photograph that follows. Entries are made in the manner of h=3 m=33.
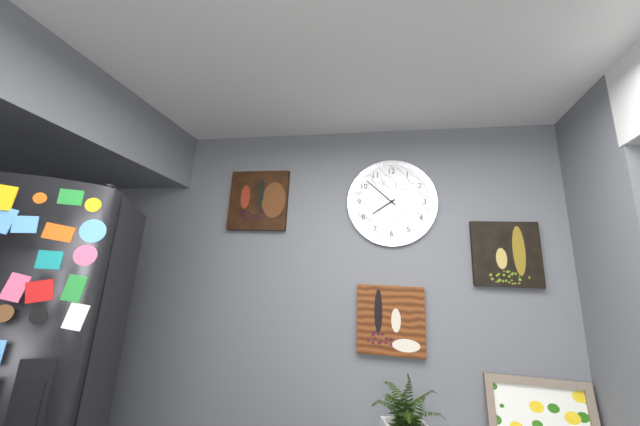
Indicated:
h=7 m=52
